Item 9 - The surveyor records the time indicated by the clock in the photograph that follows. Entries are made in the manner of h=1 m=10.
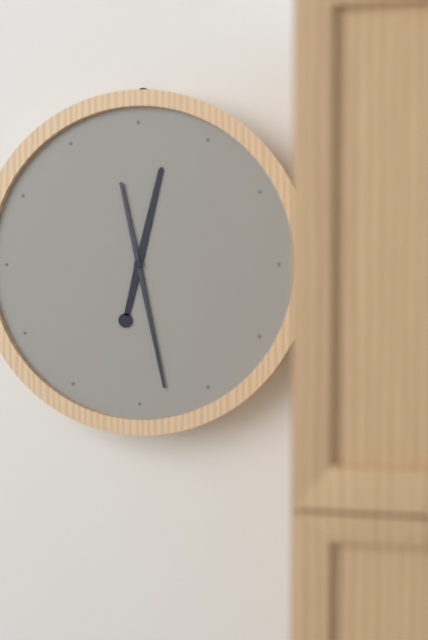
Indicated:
h=12 m=28
